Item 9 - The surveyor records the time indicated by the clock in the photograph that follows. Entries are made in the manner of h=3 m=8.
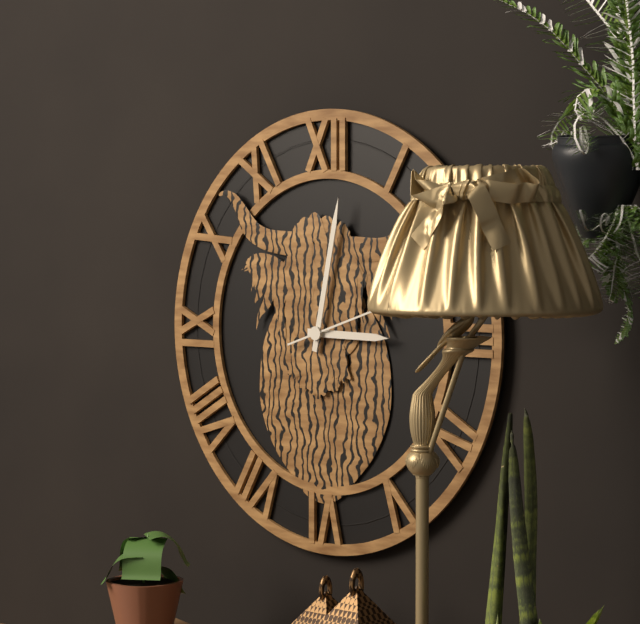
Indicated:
h=3 m=2
